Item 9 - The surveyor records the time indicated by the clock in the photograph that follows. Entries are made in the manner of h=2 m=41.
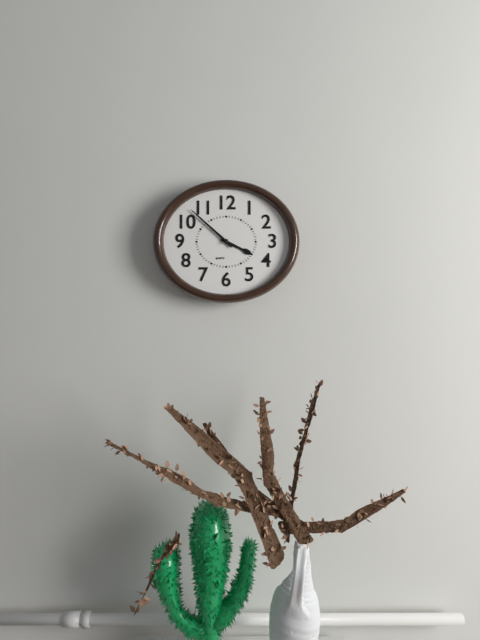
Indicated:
h=3 m=52
